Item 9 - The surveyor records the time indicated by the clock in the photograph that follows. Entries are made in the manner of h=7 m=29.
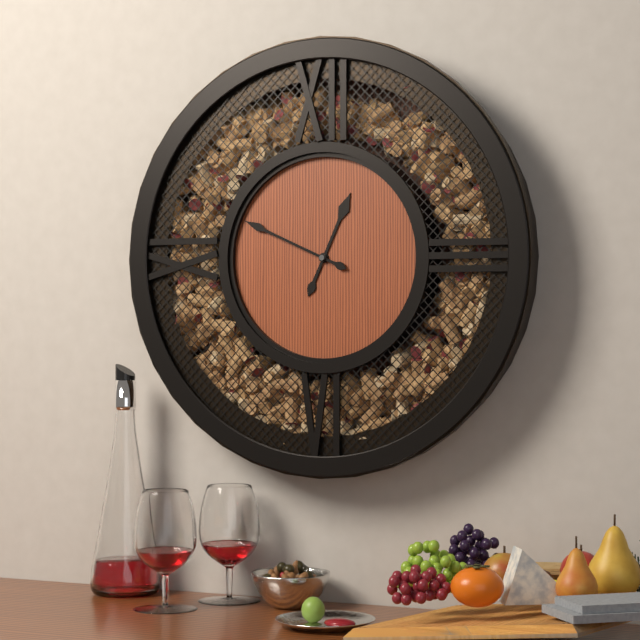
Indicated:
h=12 m=49
